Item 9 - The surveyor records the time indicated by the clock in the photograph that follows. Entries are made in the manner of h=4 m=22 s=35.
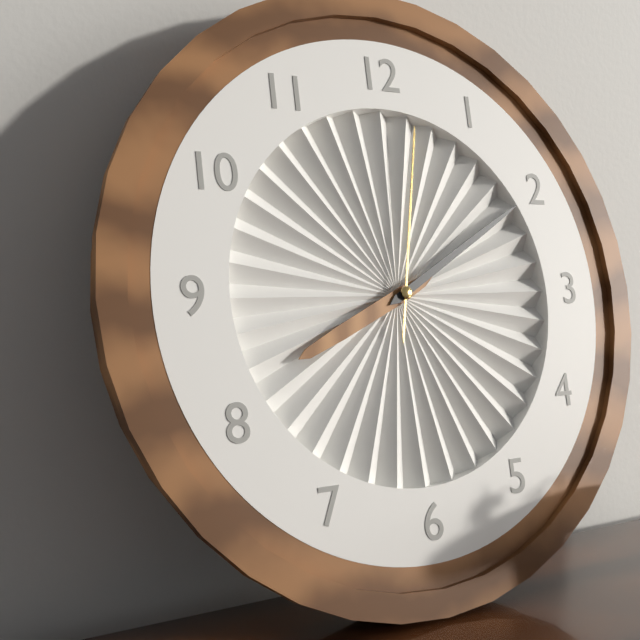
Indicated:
h=8 m=10 s=2
